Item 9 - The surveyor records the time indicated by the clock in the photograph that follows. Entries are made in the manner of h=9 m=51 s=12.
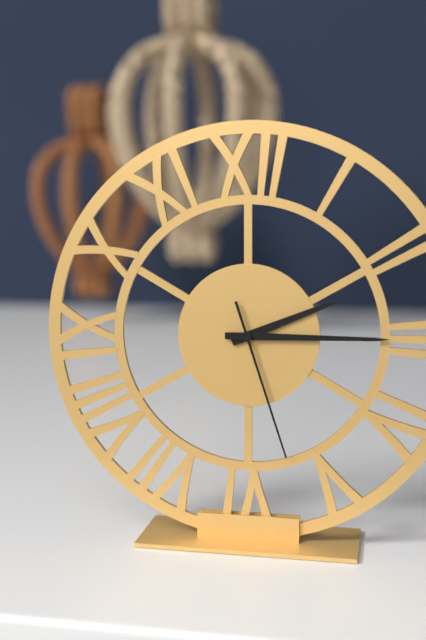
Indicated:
h=2 m=15 s=27
